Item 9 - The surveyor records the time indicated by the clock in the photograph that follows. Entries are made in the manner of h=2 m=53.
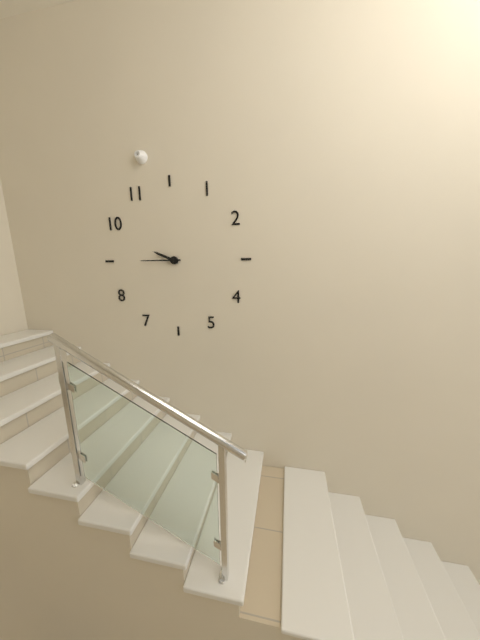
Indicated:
h=9 m=45
